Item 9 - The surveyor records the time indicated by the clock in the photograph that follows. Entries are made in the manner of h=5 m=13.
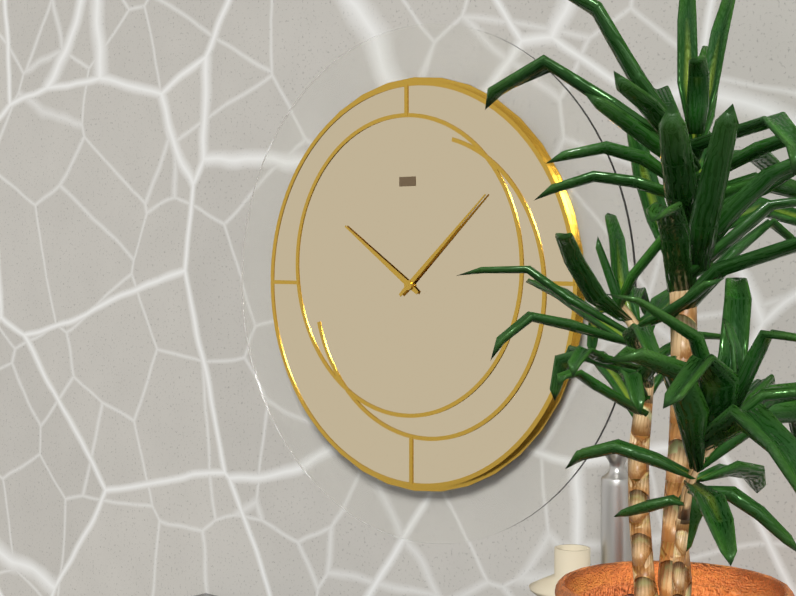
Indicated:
h=10 m=8
